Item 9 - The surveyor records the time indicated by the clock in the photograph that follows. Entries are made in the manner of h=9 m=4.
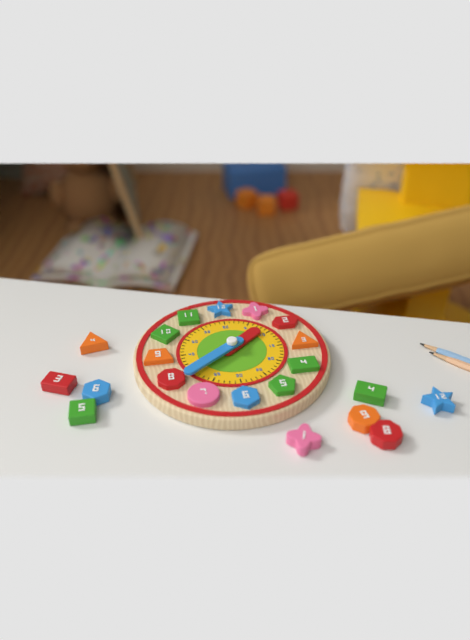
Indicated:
h=1 m=39
